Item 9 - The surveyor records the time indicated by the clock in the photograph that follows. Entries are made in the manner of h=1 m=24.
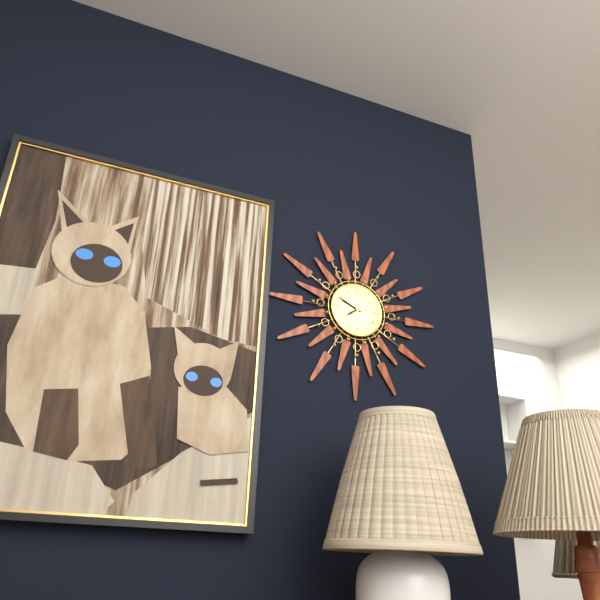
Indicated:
h=7 m=49
